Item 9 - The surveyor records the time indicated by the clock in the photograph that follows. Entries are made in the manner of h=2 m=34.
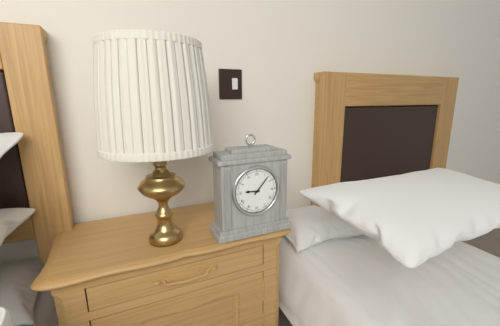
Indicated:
h=9 m=7
